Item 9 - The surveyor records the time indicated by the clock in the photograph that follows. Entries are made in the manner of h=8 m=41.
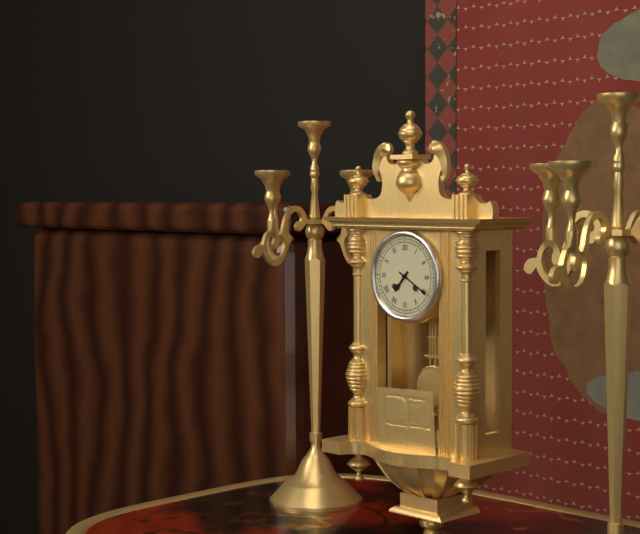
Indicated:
h=7 m=20
